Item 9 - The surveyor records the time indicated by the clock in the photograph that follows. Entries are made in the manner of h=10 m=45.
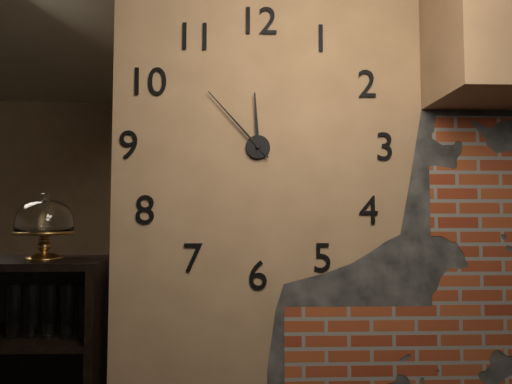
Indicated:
h=11 m=53
